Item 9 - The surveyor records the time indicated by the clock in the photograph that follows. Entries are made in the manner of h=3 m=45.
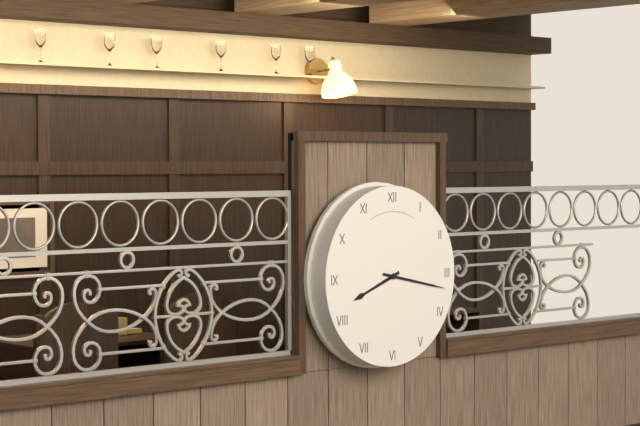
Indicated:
h=8 m=17
